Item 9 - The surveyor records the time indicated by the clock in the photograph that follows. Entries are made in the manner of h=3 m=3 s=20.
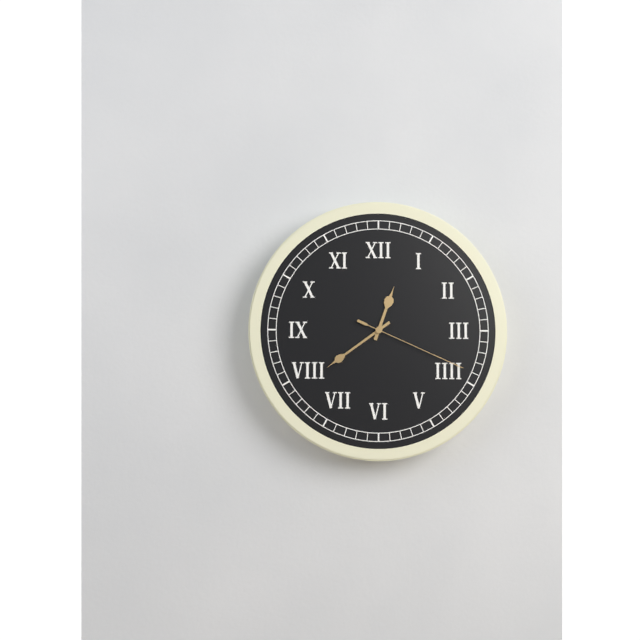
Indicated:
h=12 m=39 s=19
